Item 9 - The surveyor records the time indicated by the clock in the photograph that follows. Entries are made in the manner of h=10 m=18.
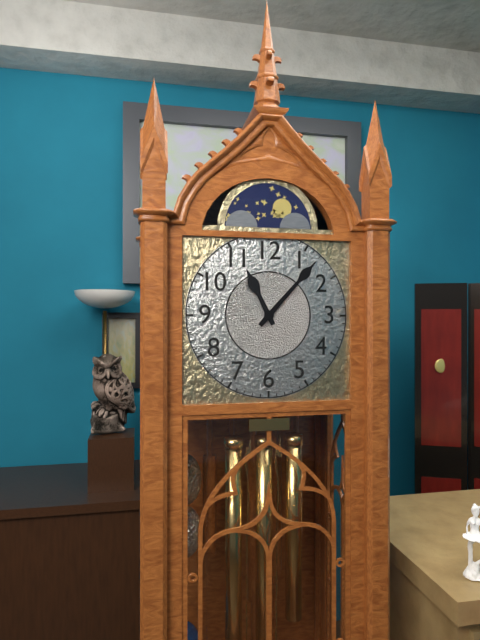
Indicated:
h=11 m=7
